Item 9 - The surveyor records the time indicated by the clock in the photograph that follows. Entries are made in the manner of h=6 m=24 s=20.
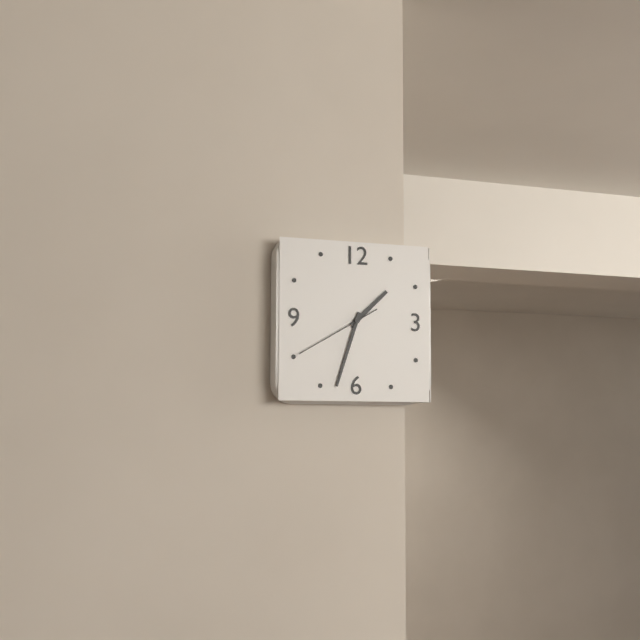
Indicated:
h=1 m=33 s=40
